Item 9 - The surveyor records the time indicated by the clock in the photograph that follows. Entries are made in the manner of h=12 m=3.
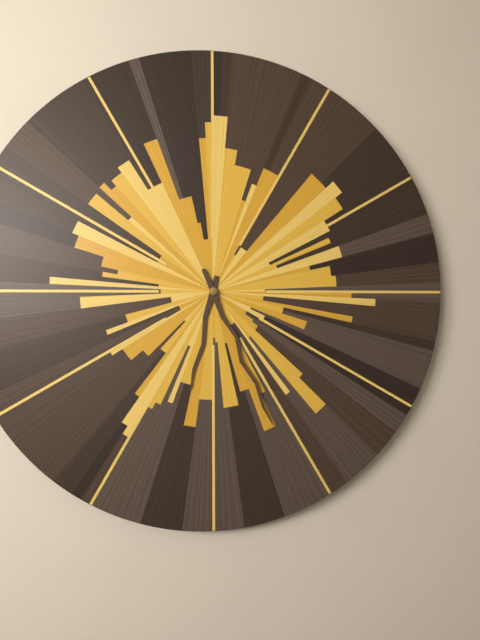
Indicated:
h=6 m=26
